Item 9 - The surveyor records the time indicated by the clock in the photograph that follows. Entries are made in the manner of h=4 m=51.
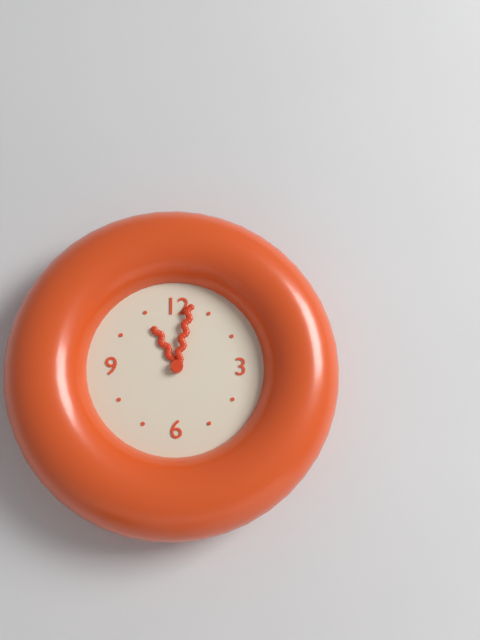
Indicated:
h=11 m=2
